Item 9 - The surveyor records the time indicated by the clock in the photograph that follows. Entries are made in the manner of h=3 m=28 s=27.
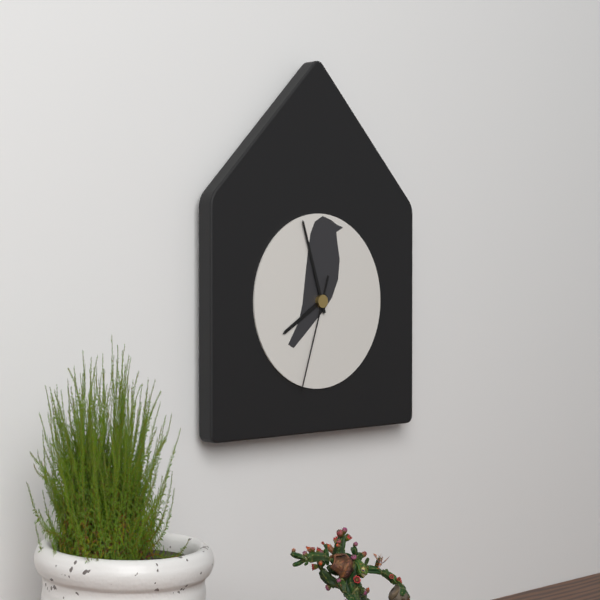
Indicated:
h=7 m=57 s=33
